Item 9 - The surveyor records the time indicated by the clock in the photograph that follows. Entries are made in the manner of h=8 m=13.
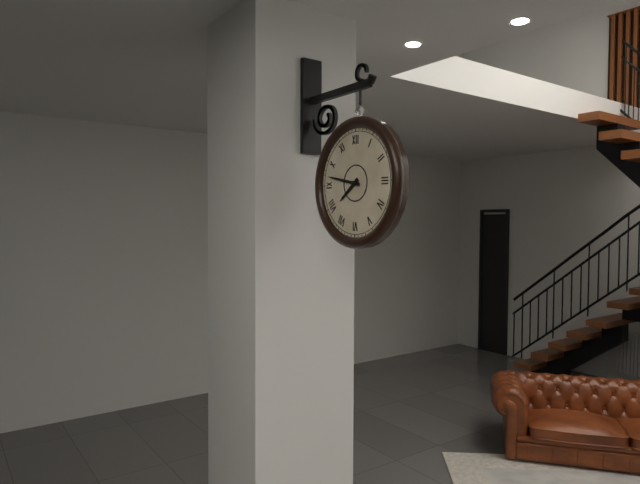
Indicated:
h=7 m=47
